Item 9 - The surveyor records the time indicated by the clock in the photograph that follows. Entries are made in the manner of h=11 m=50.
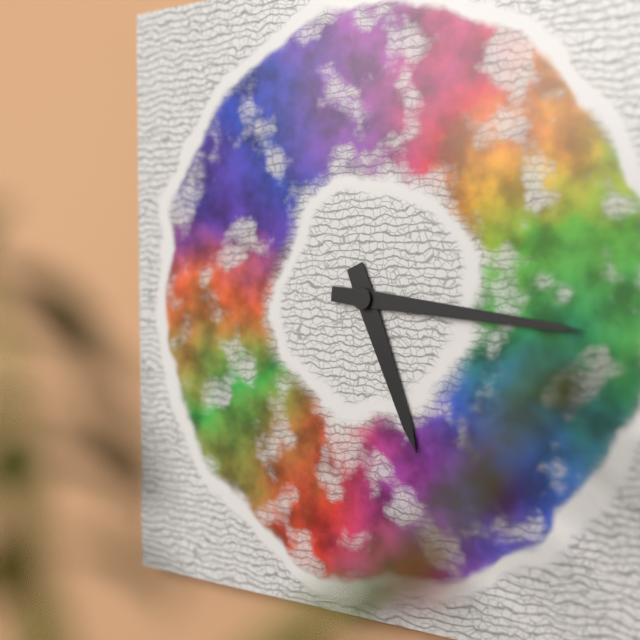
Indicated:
h=5 m=16
